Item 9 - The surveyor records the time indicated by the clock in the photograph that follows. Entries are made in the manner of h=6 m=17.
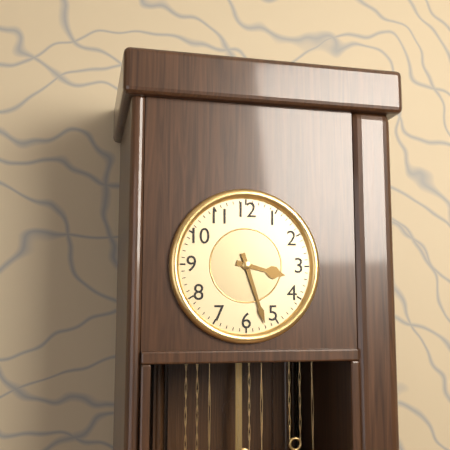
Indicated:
h=3 m=27
